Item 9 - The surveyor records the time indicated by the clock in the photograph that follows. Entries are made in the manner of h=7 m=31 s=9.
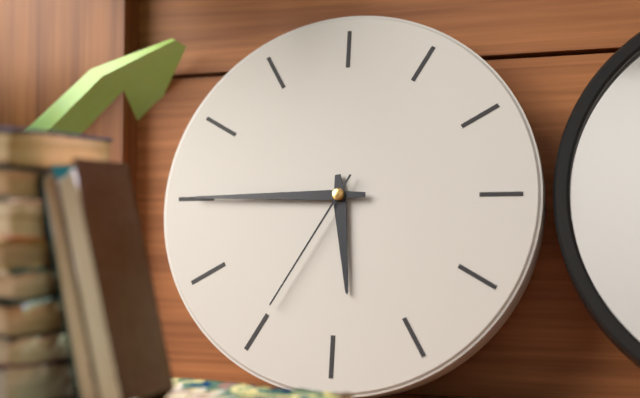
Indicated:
h=5 m=45 s=35
